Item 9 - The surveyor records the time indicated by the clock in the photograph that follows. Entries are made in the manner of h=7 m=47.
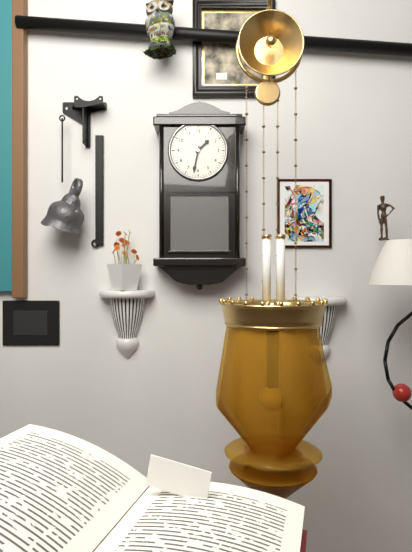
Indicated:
h=1 m=32
